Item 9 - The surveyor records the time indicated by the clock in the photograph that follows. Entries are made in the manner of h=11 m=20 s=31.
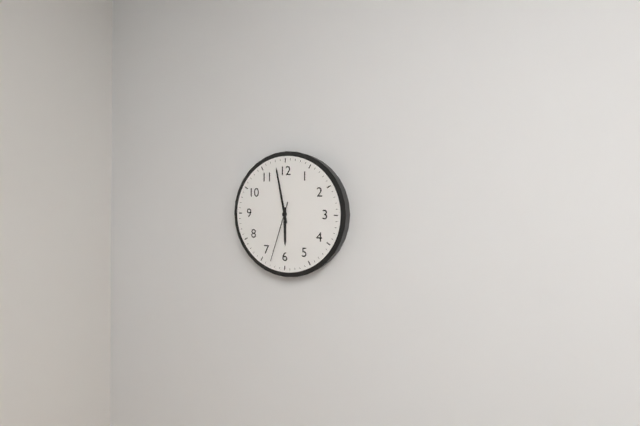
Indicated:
h=5 m=58 s=33
